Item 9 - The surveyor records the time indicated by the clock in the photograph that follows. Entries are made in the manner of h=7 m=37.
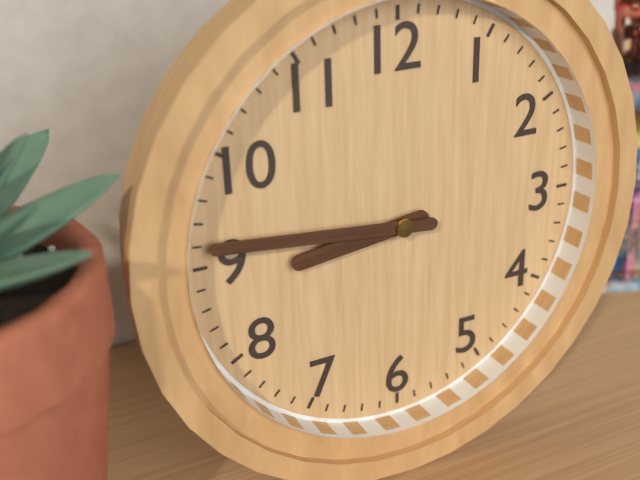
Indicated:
h=8 m=46
